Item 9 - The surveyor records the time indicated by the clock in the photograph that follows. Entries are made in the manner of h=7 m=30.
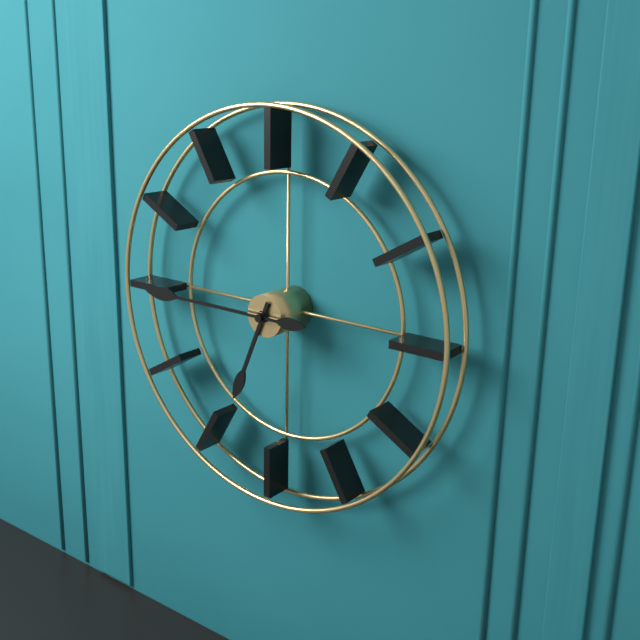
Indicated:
h=6 m=45
